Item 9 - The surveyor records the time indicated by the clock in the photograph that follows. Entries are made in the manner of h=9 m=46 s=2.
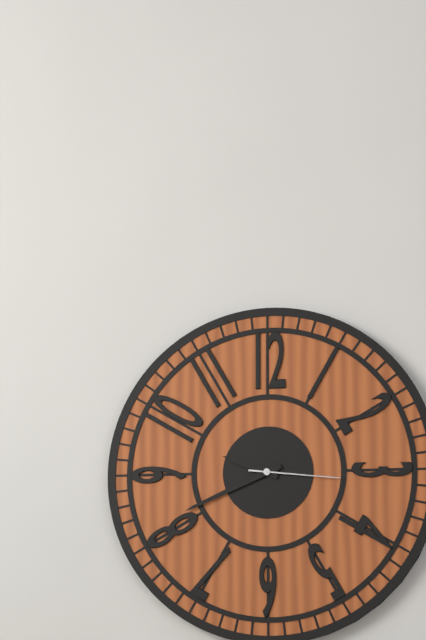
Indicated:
h=9 m=41 s=16
